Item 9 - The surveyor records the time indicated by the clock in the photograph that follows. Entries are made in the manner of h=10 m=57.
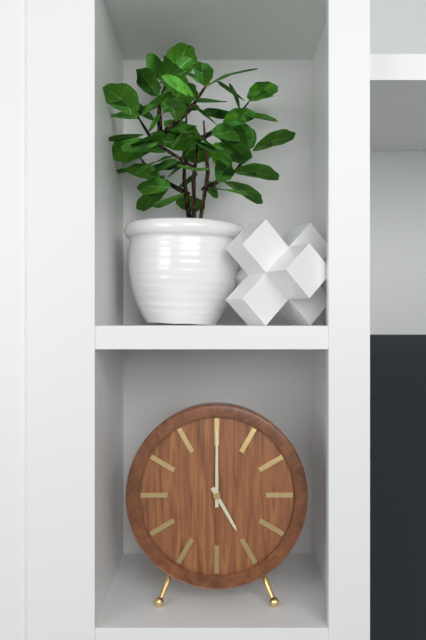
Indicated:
h=5 m=0
